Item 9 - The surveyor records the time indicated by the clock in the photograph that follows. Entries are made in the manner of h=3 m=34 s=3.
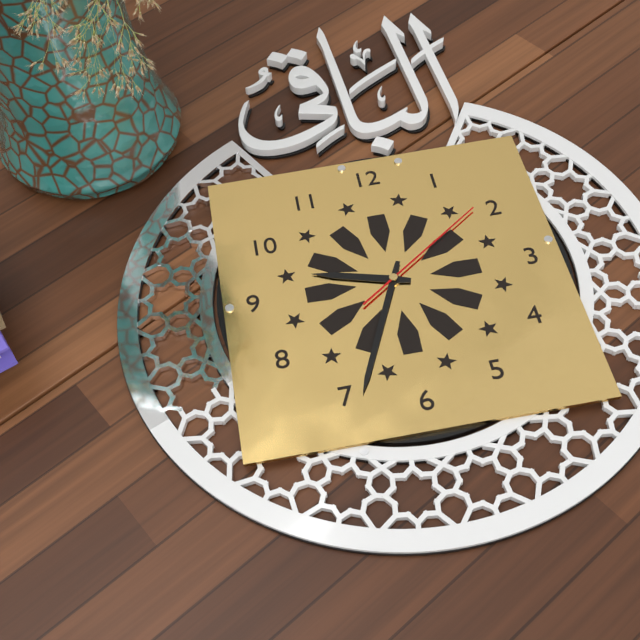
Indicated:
h=9 m=34 s=9
